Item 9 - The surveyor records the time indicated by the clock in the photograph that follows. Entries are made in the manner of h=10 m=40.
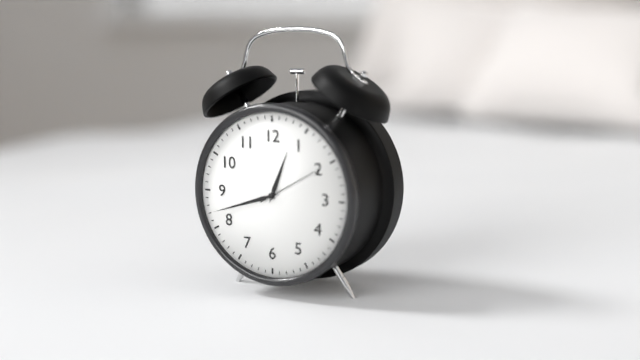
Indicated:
h=12 m=42
